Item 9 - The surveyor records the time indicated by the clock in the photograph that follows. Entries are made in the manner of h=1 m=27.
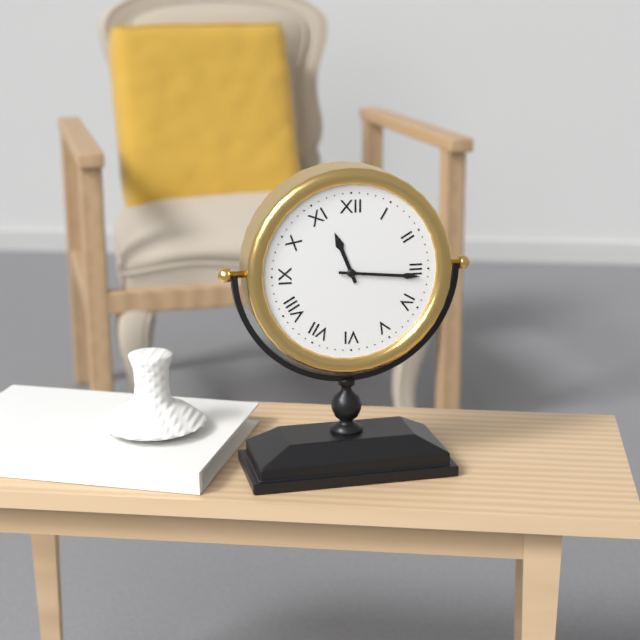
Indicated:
h=11 m=16
